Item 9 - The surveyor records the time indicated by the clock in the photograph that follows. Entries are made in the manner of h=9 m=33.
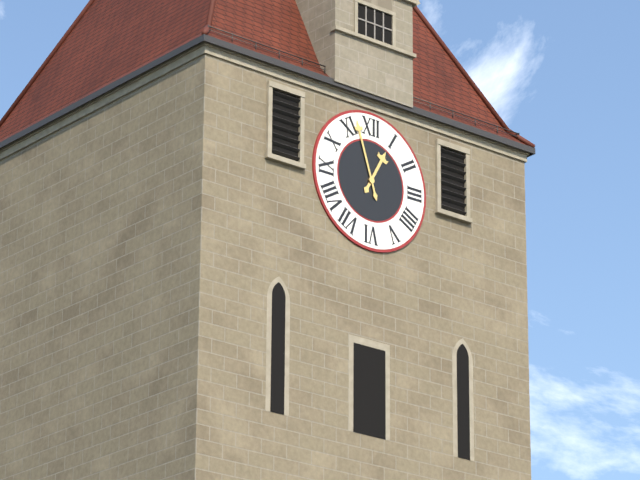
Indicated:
h=12 m=57
